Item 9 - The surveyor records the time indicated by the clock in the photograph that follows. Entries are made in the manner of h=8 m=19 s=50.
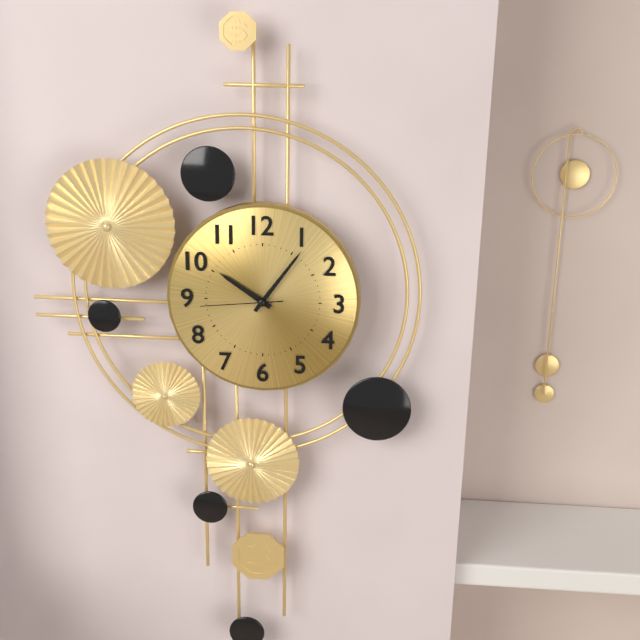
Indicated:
h=10 m=6 s=44
